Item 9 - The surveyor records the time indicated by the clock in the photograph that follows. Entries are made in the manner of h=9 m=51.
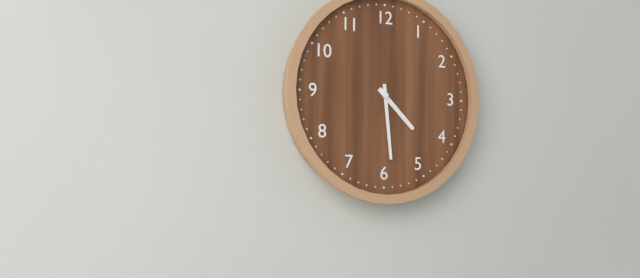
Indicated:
h=4 m=29
